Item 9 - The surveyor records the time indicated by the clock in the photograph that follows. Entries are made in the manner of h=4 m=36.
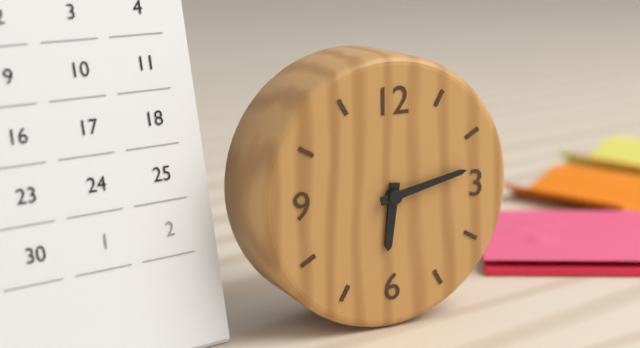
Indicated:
h=6 m=13
